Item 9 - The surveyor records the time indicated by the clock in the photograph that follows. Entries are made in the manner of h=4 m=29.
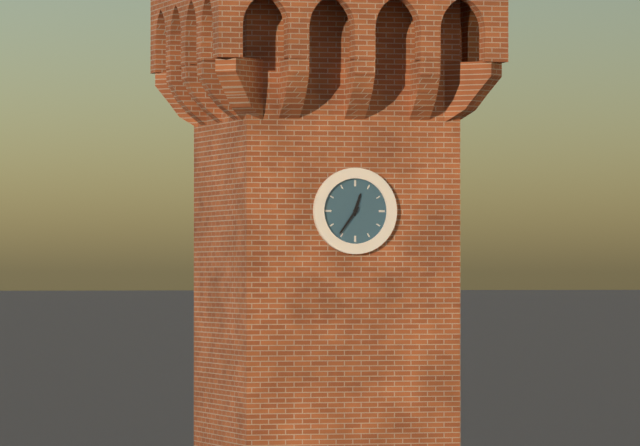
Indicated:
h=12 m=36
